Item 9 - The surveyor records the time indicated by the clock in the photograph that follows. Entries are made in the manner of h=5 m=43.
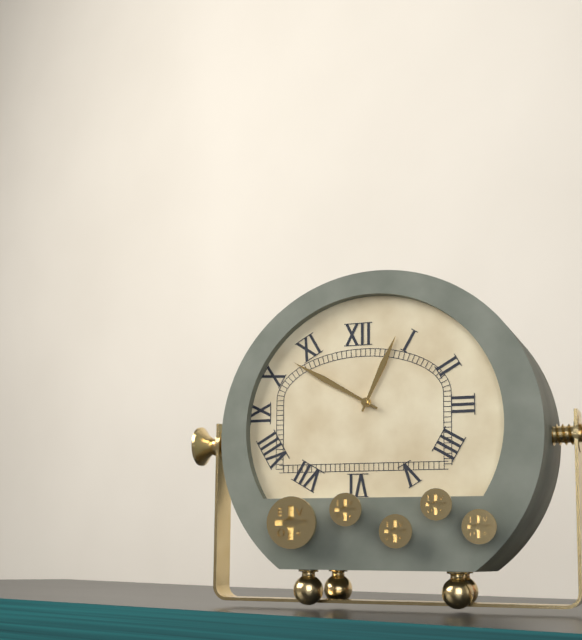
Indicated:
h=12 m=50
